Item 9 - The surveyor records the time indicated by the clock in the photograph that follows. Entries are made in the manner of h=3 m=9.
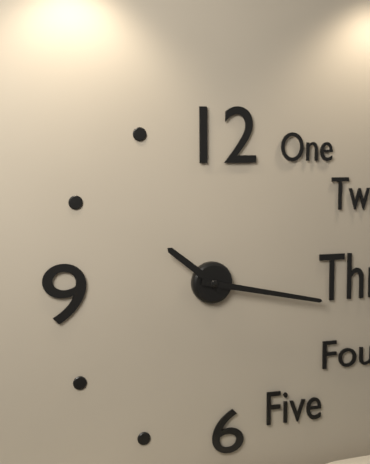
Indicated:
h=10 m=17
